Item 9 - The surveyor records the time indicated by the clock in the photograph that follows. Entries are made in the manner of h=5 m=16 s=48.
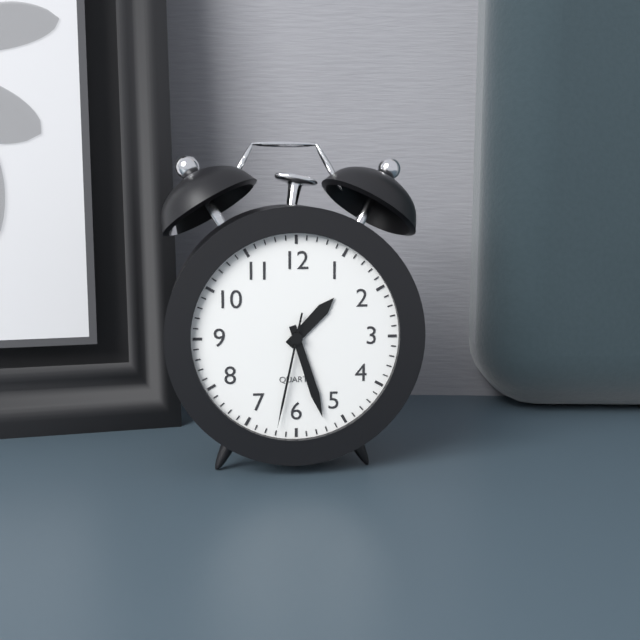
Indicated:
h=1 m=27 s=32
